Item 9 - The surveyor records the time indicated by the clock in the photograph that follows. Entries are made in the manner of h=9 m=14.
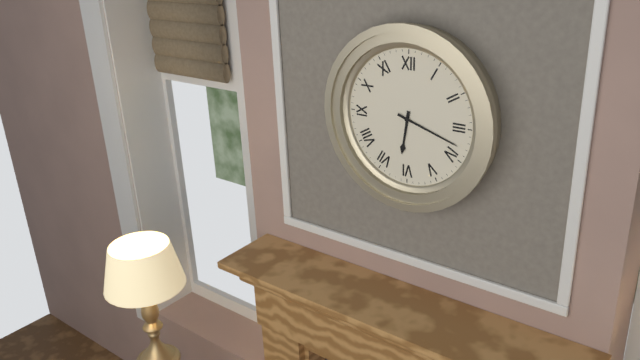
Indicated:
h=6 m=18
